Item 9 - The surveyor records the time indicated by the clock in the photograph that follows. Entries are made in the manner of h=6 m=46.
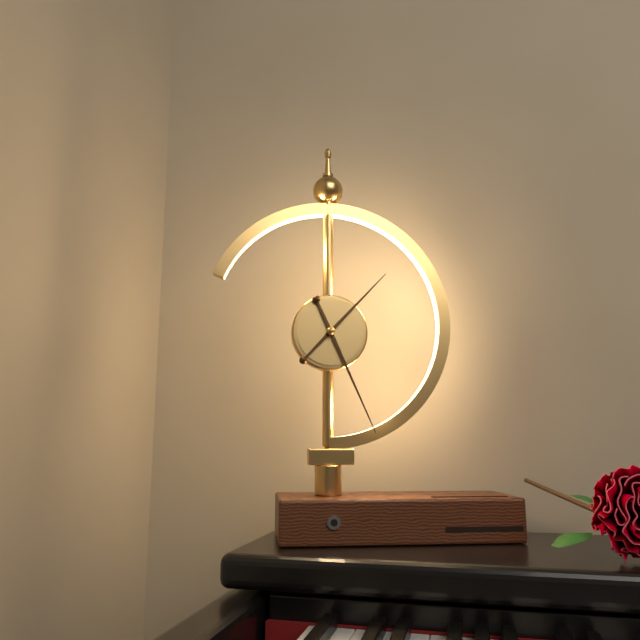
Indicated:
h=1 m=26
